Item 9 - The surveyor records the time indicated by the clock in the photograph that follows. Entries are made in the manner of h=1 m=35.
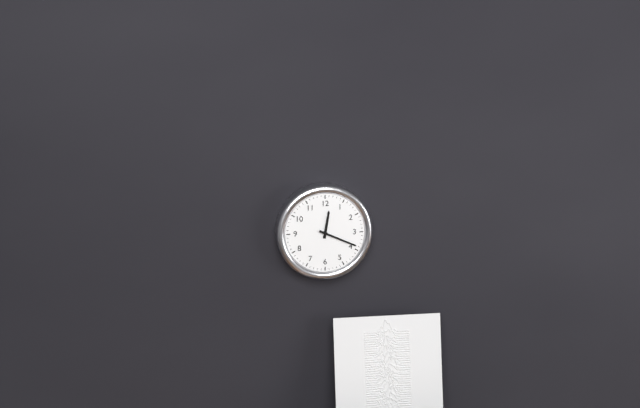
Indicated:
h=12 m=19
